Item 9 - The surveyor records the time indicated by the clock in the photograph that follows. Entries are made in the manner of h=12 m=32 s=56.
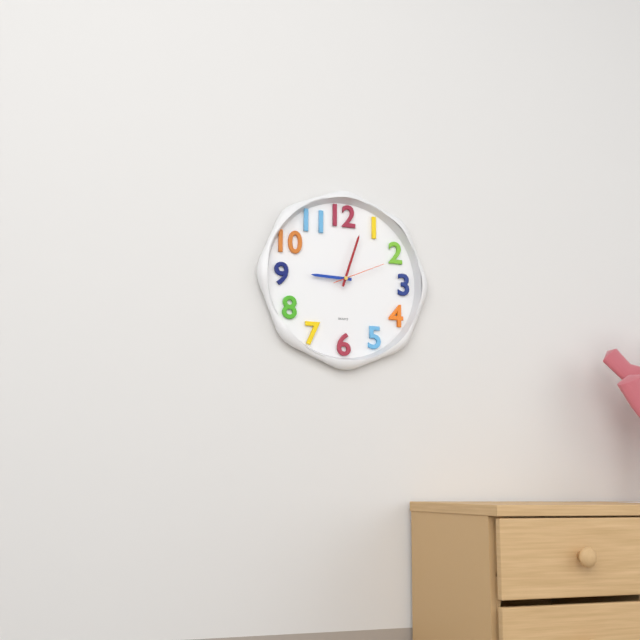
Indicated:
h=9 m=3 s=11
